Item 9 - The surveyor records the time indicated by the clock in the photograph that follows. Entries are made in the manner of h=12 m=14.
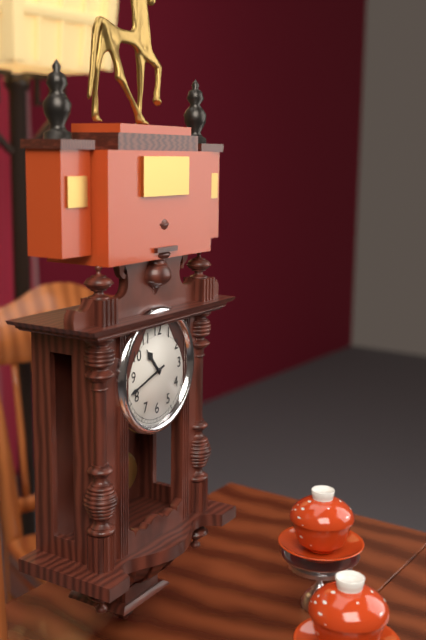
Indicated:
h=10 m=42
